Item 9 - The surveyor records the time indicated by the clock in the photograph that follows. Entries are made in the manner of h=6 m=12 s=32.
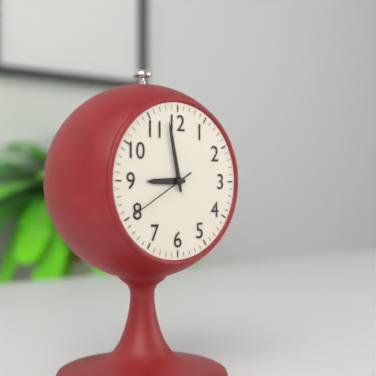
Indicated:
h=8 m=58 s=40
